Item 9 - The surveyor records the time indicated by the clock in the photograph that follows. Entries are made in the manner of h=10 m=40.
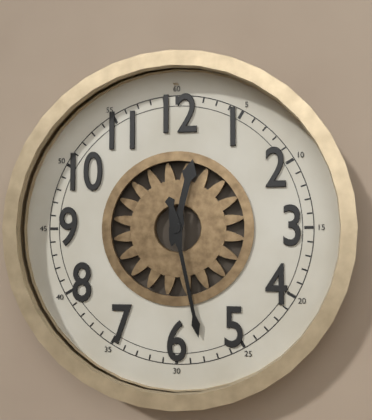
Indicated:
h=12 m=28
